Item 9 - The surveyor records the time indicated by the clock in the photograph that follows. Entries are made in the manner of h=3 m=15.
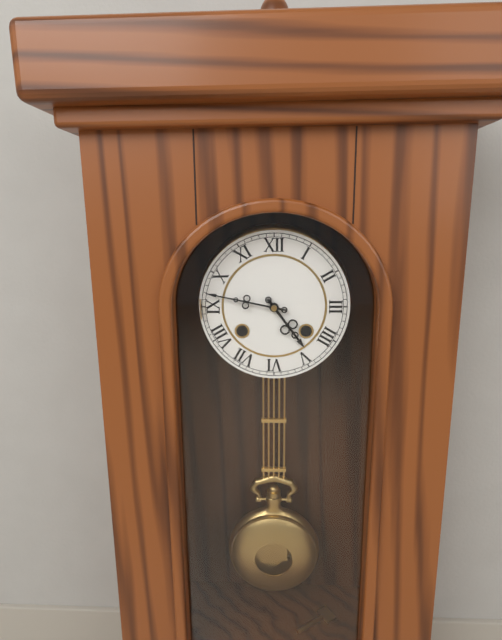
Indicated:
h=4 m=47
